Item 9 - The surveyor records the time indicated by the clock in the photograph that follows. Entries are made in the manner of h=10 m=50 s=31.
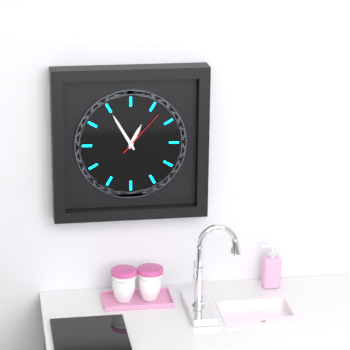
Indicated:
h=12 m=55 s=7
